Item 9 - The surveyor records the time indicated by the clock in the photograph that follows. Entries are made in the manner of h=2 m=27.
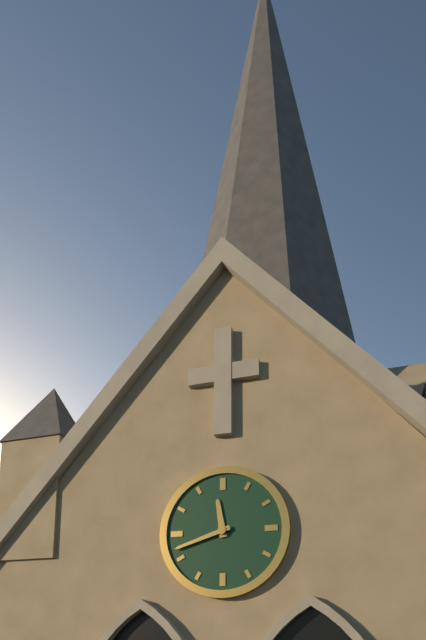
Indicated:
h=11 m=42
